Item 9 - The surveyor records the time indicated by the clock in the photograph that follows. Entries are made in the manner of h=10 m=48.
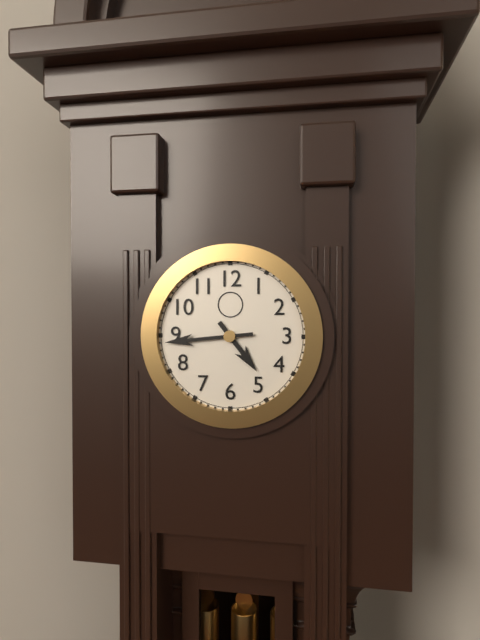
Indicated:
h=4 m=44
